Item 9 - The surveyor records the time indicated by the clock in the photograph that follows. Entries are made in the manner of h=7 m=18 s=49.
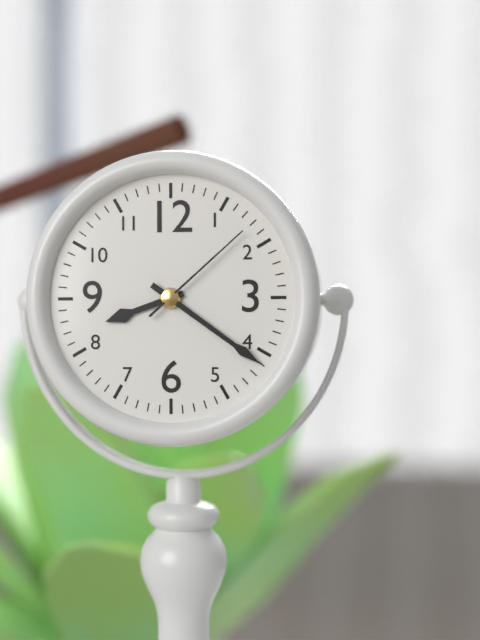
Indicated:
h=8 m=21 s=8
